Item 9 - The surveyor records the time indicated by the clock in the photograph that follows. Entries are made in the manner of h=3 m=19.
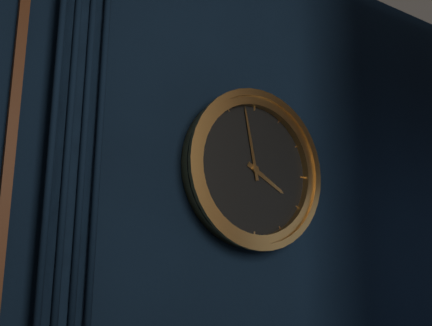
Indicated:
h=3 m=58
